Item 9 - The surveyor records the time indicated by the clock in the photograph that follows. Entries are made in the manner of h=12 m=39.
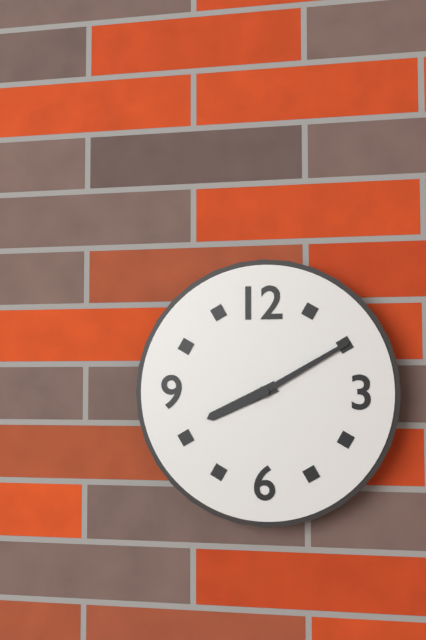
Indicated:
h=8 m=10
